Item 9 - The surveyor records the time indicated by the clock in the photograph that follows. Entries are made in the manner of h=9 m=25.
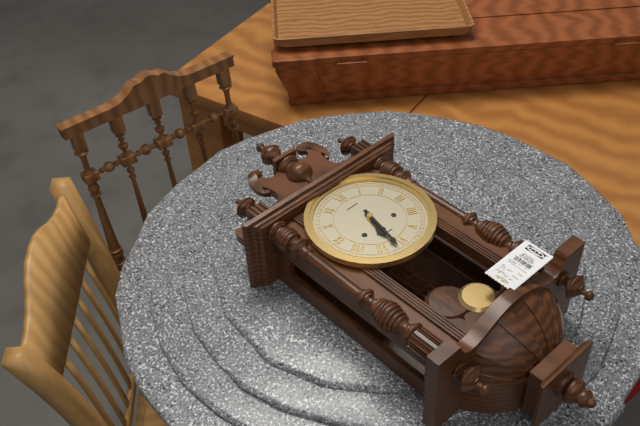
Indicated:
h=6 m=32
